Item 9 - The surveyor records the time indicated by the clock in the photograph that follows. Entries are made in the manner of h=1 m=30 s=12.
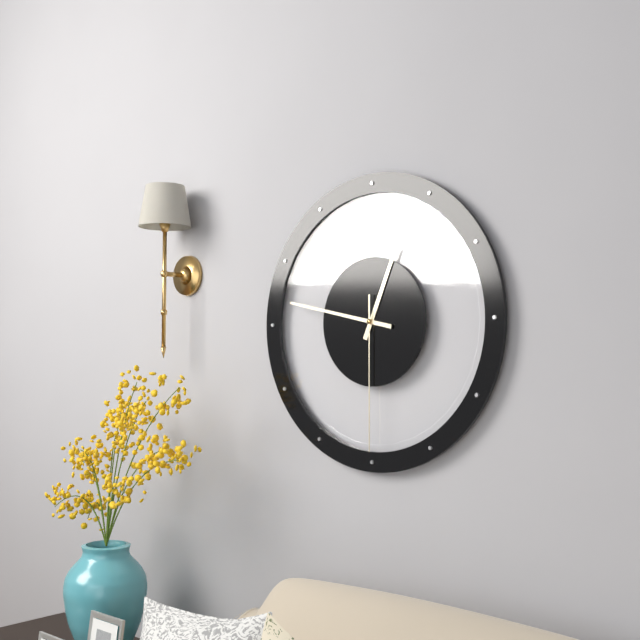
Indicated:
h=12 m=47 s=30
